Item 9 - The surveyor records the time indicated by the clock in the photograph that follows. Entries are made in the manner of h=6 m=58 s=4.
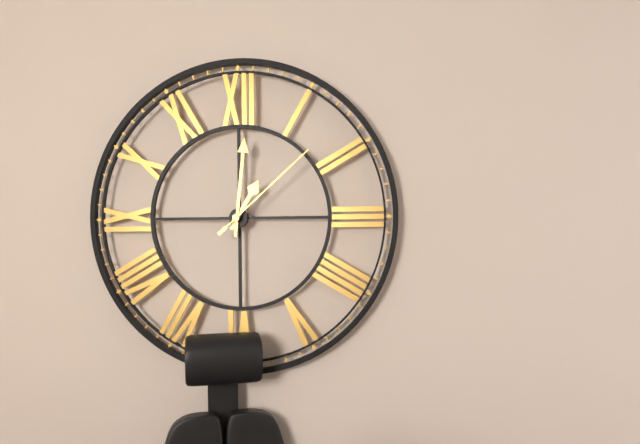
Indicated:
h=1 m=1 s=8
